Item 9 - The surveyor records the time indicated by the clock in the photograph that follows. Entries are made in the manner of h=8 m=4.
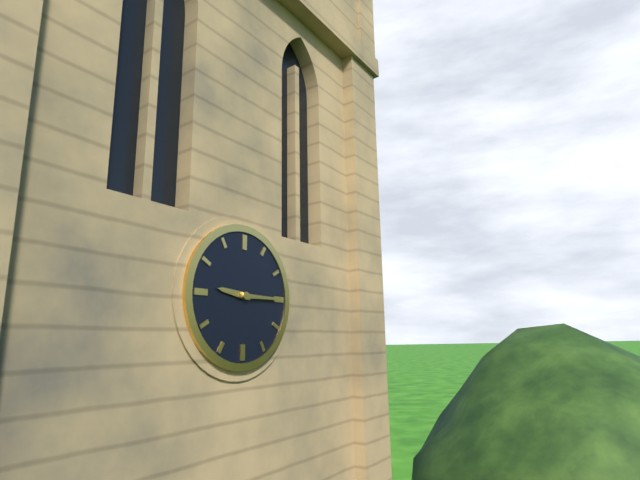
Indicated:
h=9 m=15
